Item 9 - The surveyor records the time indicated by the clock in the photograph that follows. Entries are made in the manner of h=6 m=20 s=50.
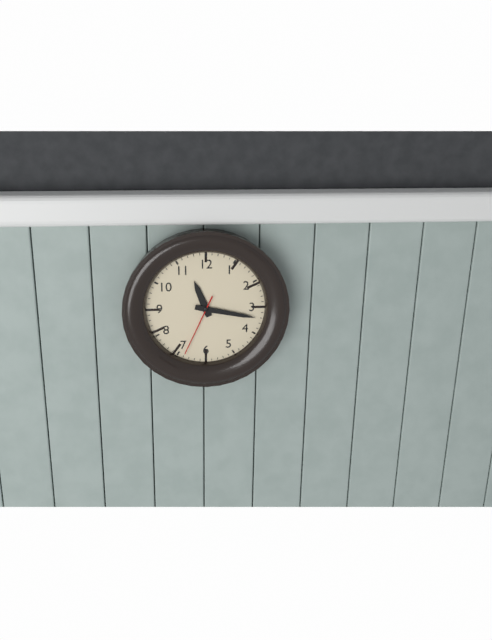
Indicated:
h=11 m=17 s=34
